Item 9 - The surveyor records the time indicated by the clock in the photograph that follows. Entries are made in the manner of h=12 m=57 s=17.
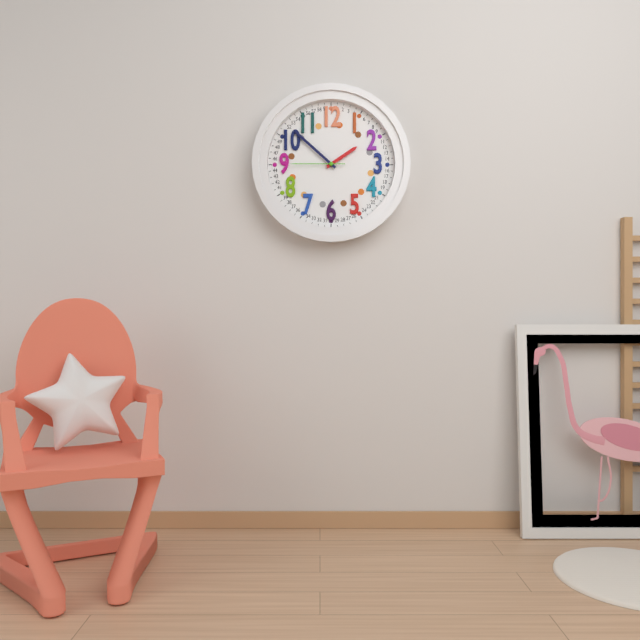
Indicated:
h=1 m=52 s=45
